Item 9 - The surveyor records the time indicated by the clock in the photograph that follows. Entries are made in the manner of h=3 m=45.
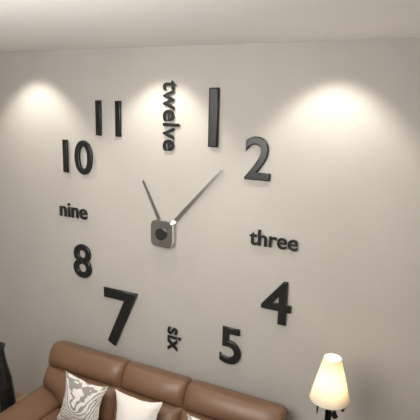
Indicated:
h=11 m=7
